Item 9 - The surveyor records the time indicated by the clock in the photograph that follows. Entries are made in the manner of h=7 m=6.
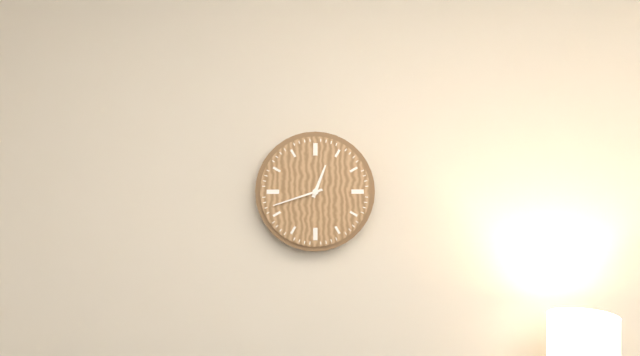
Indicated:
h=12 m=42
